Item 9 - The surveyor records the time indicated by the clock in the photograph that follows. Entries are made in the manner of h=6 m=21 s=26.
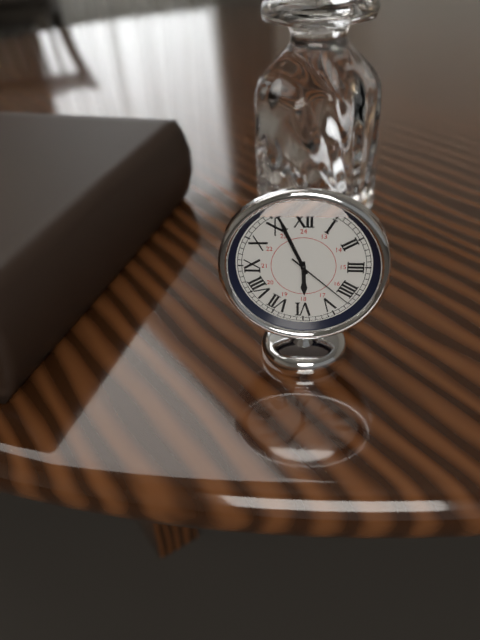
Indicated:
h=5 m=56 s=22
